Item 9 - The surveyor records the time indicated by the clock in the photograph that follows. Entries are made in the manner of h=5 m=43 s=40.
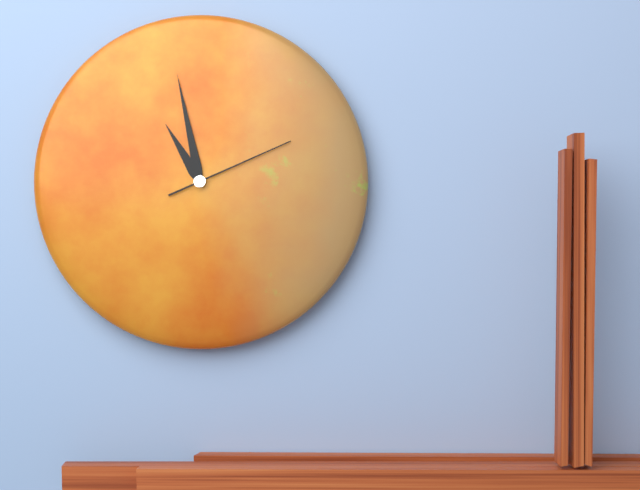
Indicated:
h=10 m=58 s=11
